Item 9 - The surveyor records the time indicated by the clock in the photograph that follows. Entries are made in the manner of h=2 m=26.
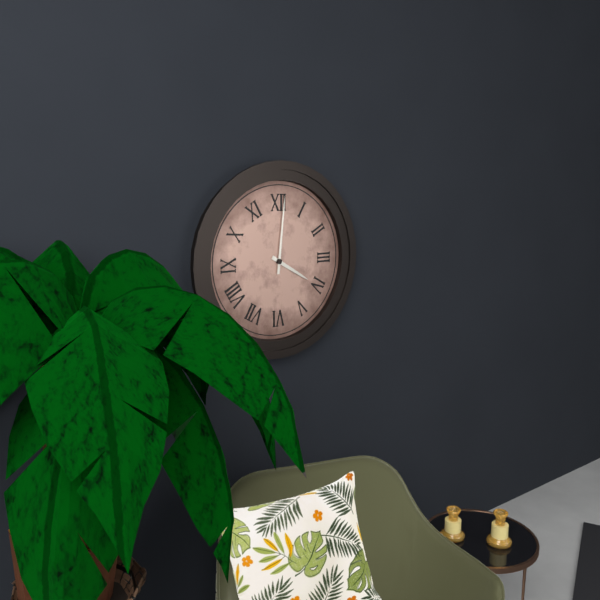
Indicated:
h=4 m=1
